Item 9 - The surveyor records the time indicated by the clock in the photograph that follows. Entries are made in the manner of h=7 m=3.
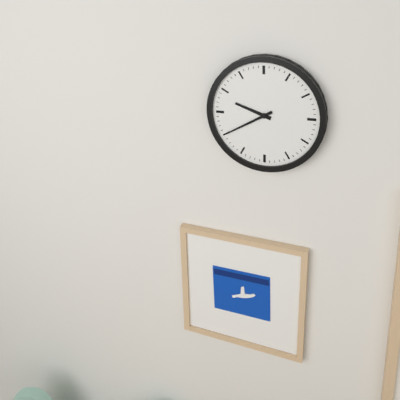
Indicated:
h=9 m=40
